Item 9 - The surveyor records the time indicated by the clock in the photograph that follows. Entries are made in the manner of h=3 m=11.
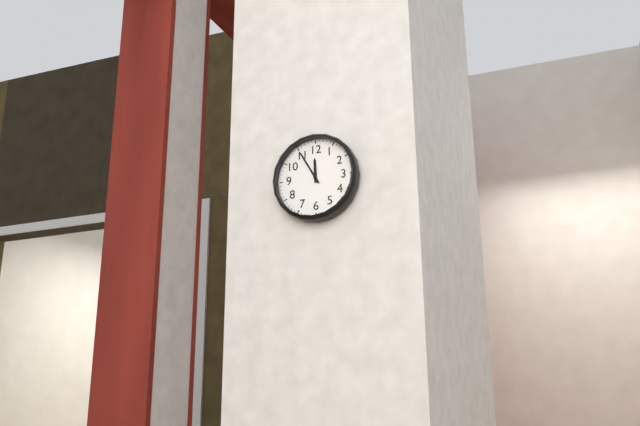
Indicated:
h=11 m=55
